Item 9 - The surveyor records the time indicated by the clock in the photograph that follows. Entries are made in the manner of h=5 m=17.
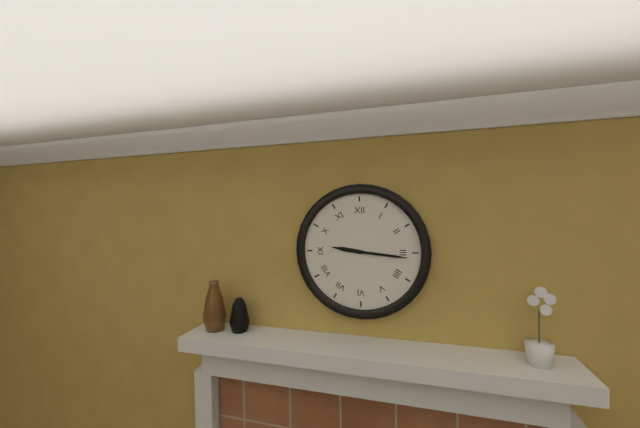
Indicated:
h=9 m=16
